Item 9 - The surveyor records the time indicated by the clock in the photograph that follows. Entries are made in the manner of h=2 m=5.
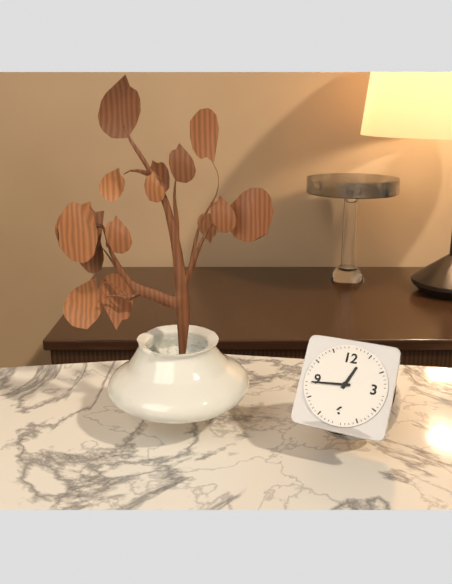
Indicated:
h=12 m=44
